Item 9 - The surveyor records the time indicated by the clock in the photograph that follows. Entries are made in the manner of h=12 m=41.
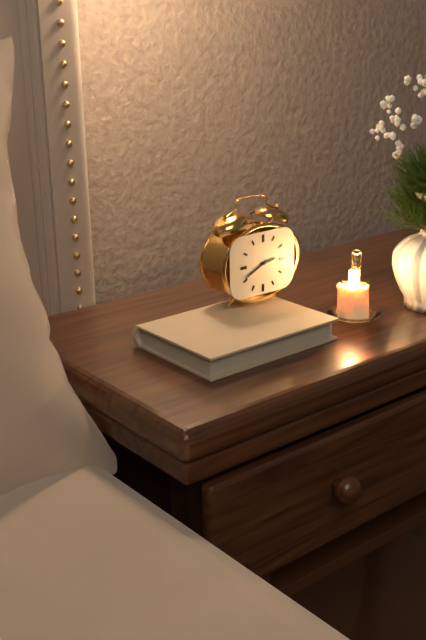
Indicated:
h=2 m=41
